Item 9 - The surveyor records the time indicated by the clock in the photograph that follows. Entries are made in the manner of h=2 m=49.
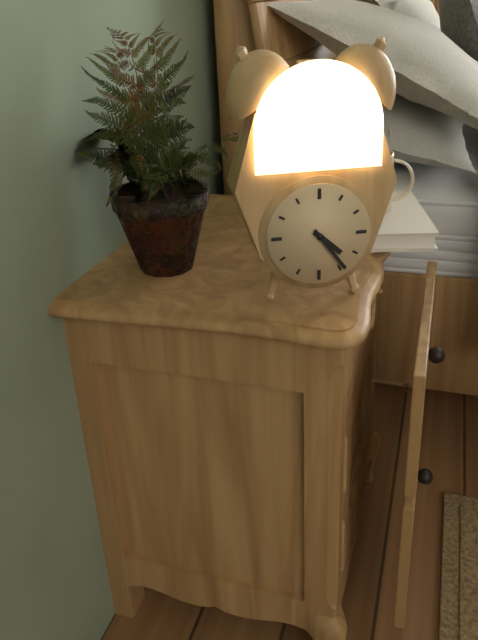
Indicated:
h=4 m=24
